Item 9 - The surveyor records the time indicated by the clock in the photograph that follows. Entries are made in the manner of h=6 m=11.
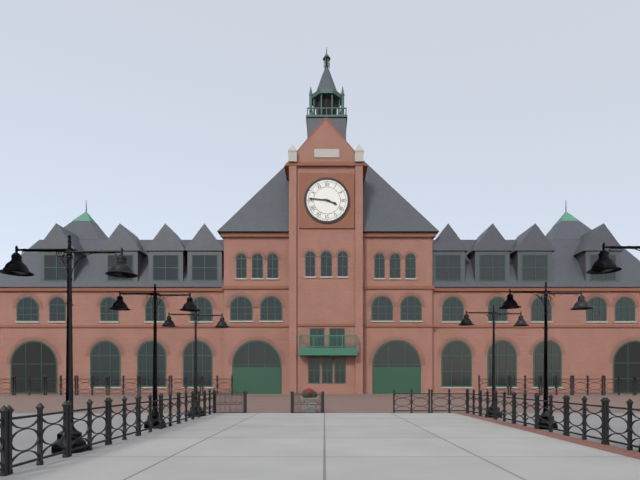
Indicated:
h=3 m=46
